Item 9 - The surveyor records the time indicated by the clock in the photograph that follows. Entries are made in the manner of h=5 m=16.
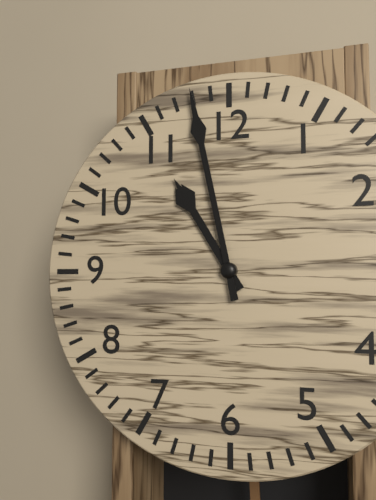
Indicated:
h=10 m=58
